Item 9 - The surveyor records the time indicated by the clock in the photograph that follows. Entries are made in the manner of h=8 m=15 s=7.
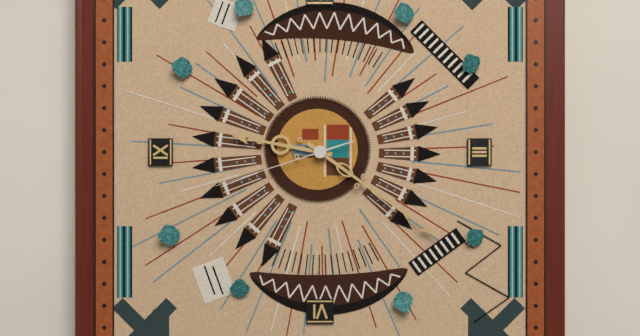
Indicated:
h=9 m=21 s=42
